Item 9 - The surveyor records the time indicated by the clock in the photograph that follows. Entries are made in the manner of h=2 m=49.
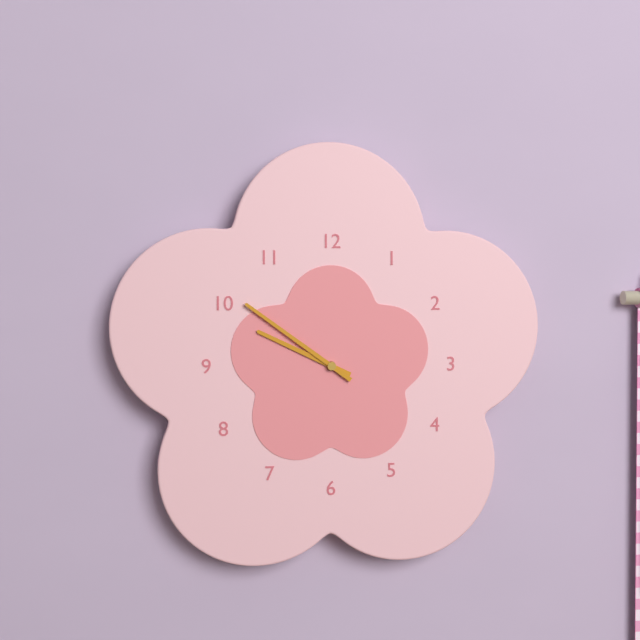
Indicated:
h=9 m=51
